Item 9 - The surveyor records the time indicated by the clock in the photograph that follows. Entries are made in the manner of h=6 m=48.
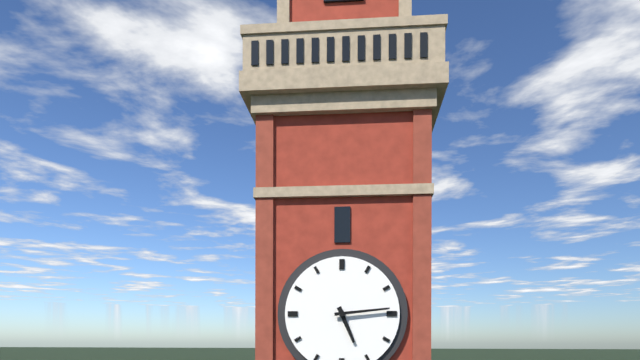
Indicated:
h=5 m=14
